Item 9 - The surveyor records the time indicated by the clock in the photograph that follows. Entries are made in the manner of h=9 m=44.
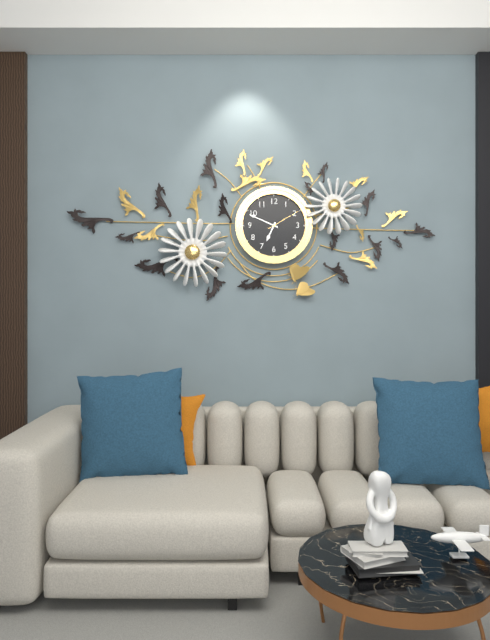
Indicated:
h=6 m=49
